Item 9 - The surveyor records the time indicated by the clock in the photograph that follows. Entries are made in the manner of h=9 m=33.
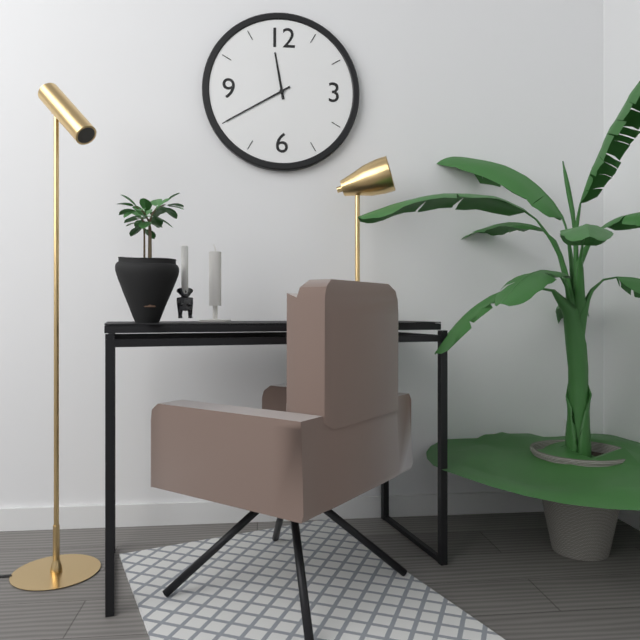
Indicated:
h=11 m=40
